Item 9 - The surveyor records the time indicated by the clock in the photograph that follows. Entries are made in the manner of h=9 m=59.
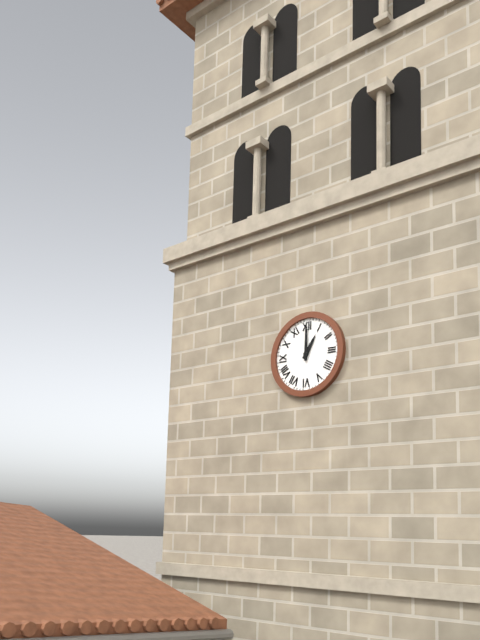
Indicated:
h=1 m=0
